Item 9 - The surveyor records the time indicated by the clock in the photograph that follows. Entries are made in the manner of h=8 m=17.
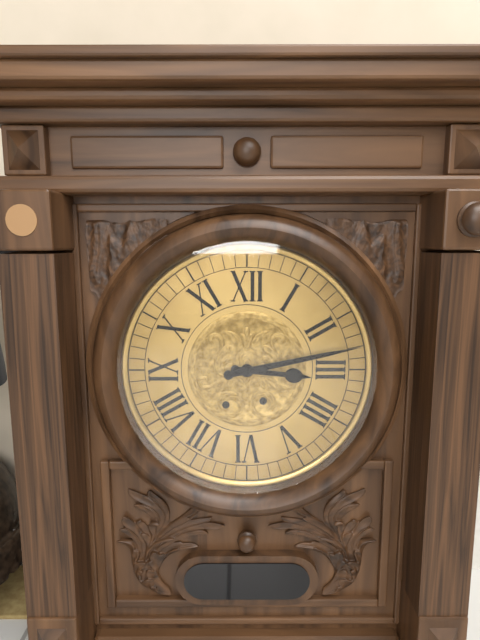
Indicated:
h=3 m=13
